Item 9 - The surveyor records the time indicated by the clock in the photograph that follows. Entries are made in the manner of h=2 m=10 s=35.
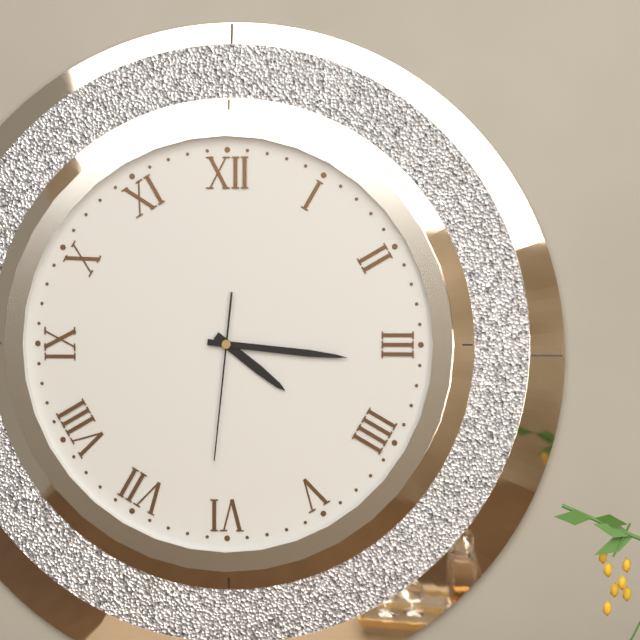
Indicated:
h=4 m=16 s=31
